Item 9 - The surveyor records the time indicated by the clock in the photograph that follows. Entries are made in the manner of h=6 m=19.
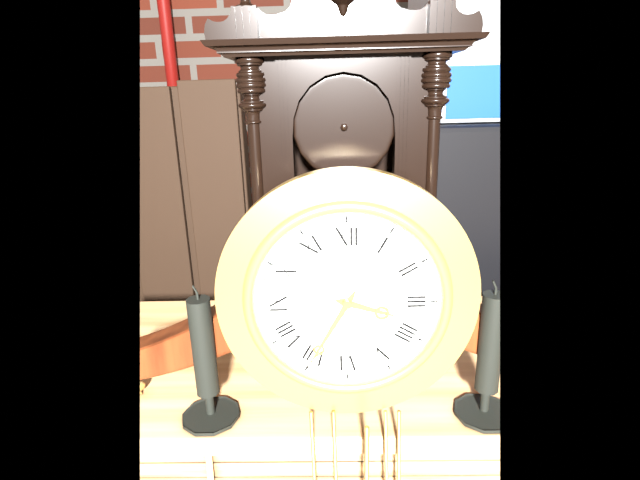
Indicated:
h=3 m=35
